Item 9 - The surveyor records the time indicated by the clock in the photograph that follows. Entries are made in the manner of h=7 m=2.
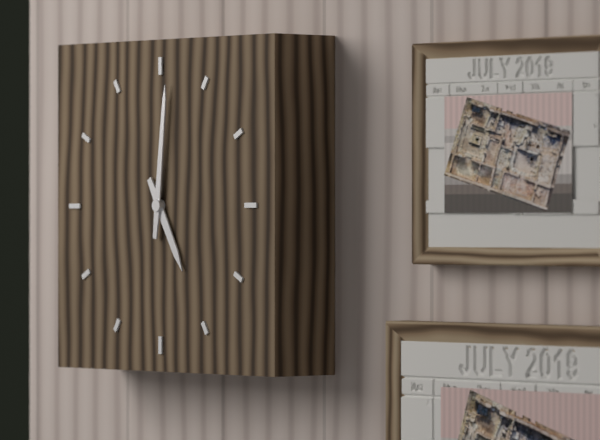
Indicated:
h=5 m=1
